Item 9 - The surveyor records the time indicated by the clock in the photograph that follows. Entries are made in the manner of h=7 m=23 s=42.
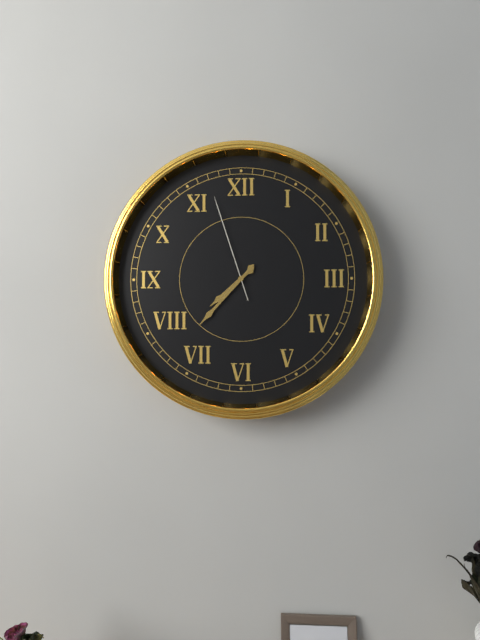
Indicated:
h=7 m=37 s=57
